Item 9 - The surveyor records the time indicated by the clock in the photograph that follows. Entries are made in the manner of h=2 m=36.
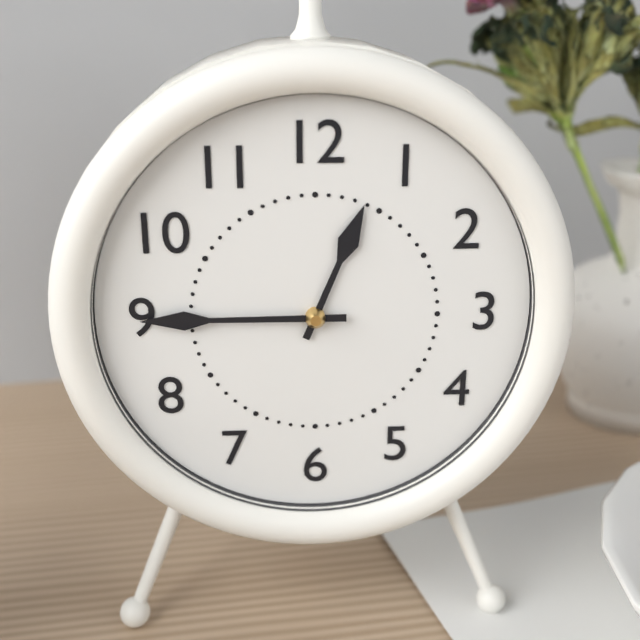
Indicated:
h=12 m=45
